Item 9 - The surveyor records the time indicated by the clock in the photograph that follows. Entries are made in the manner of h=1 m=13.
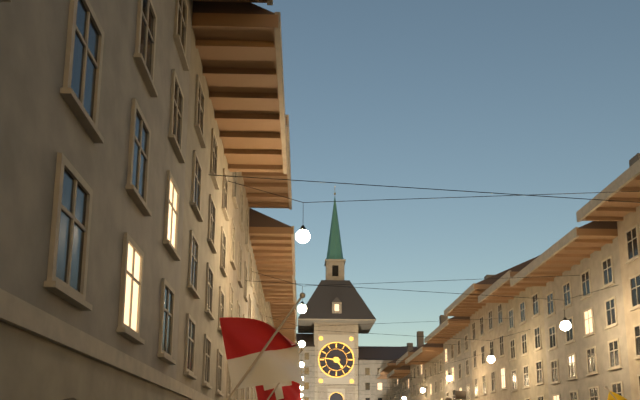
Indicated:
h=4 m=46
